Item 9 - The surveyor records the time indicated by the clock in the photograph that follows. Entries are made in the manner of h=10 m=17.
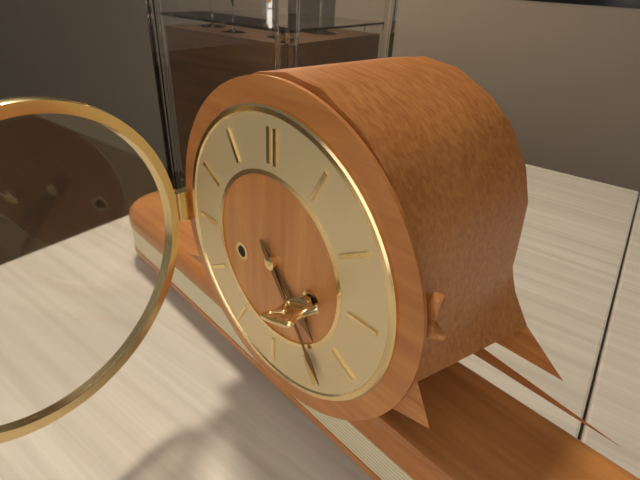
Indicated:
h=4 m=24
